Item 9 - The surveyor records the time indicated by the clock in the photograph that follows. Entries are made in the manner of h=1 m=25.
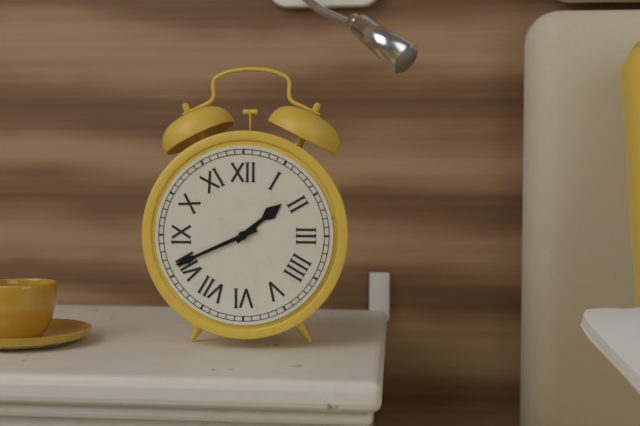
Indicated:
h=1 m=41
